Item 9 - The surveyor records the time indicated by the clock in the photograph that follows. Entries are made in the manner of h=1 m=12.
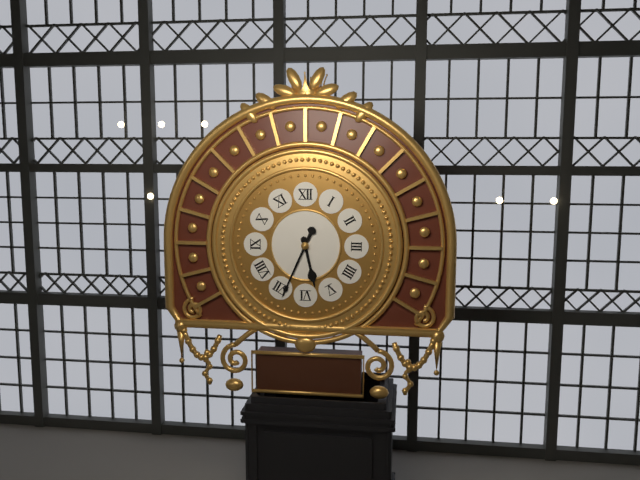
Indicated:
h=5 m=34
